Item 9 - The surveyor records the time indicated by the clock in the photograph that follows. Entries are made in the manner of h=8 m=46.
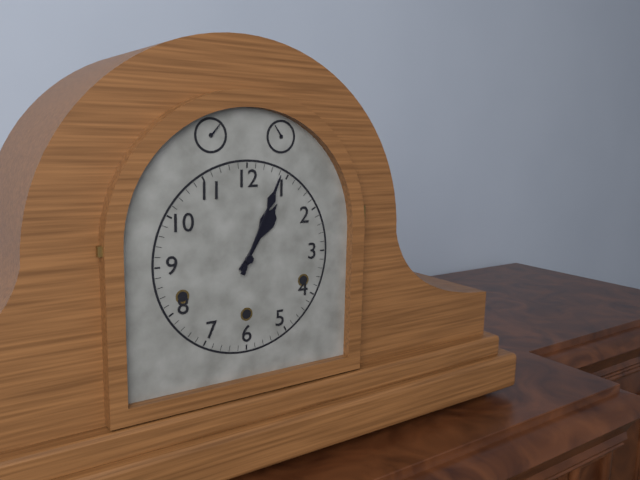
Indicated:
h=1 m=4
